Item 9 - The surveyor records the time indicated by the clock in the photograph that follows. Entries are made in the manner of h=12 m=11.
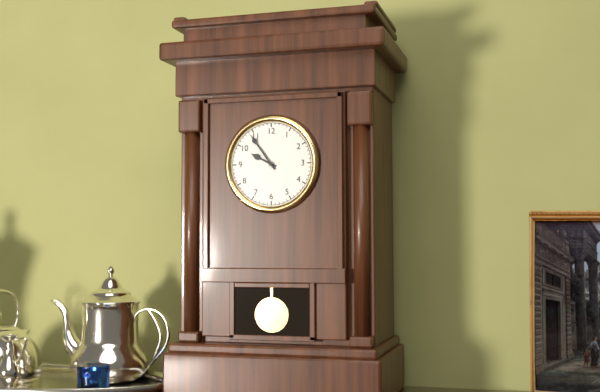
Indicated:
h=9 m=54
